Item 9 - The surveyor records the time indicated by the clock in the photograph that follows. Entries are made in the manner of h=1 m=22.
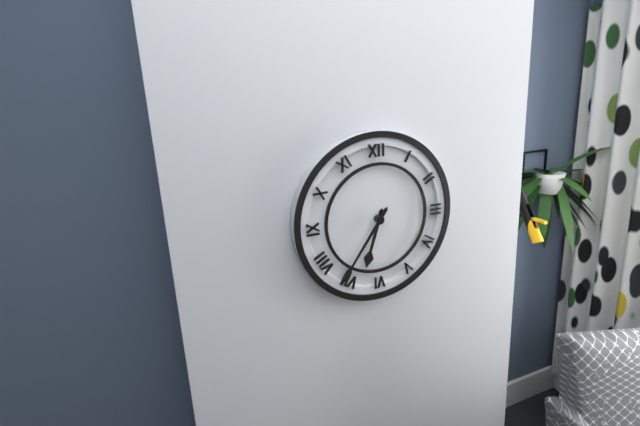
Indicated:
h=6 m=36
